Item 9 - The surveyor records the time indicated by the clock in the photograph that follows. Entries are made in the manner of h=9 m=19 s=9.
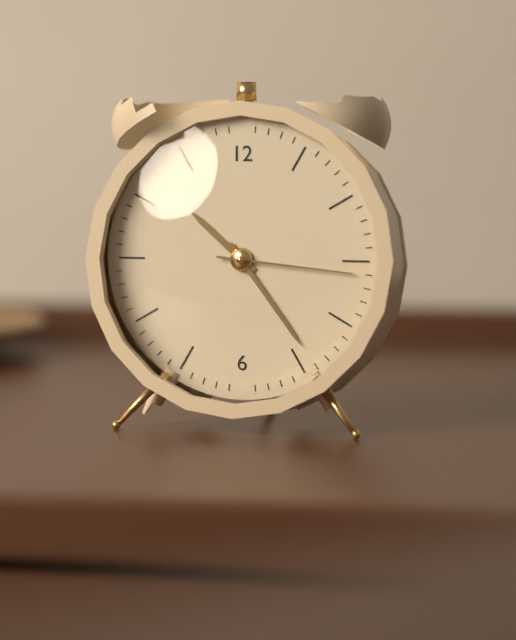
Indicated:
h=10 m=24 s=16
